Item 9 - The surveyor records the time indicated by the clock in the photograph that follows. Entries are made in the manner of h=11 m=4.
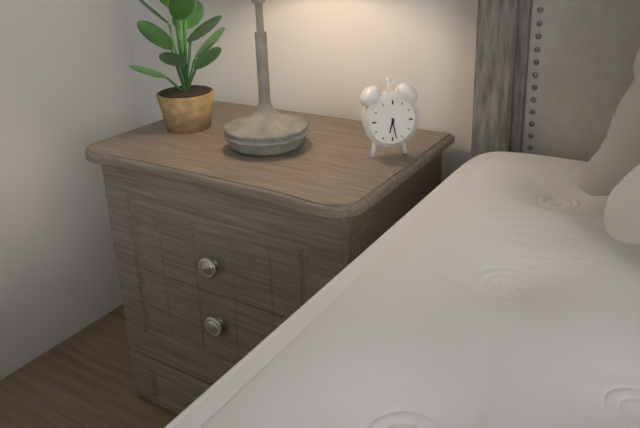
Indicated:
h=6 m=28
